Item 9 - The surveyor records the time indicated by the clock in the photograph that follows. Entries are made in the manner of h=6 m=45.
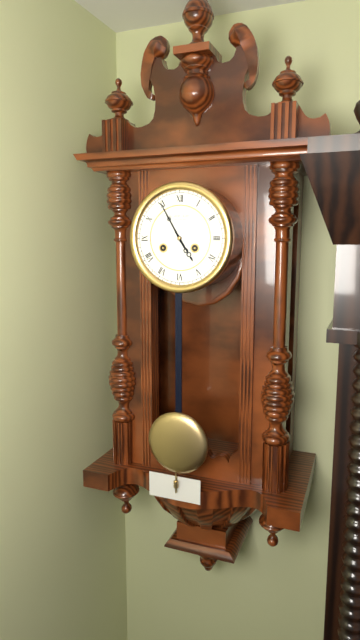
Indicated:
h=4 m=55
